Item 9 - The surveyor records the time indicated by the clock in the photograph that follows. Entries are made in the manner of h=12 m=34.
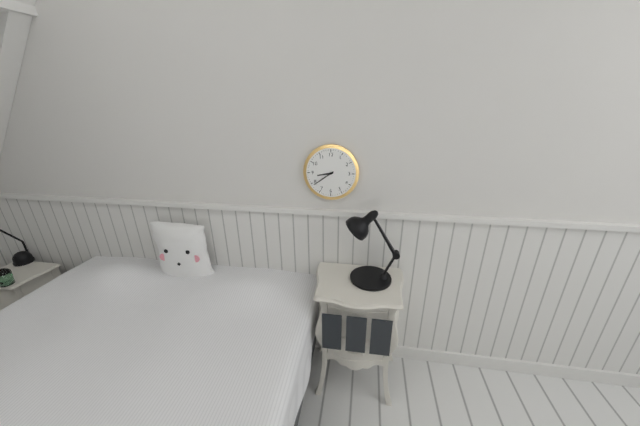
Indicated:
h=8 m=39
